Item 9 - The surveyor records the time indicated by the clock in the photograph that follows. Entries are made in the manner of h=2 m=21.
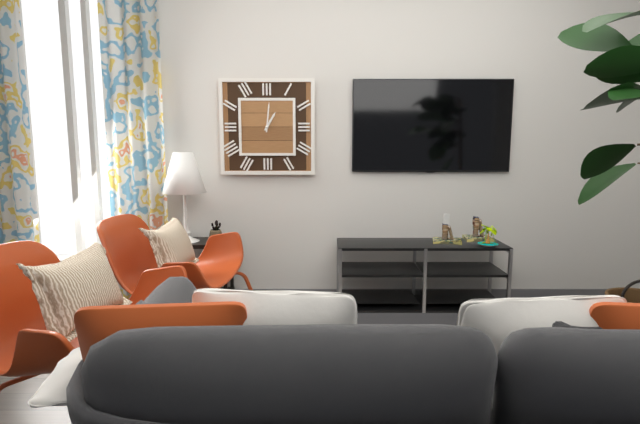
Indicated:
h=1 m=1
